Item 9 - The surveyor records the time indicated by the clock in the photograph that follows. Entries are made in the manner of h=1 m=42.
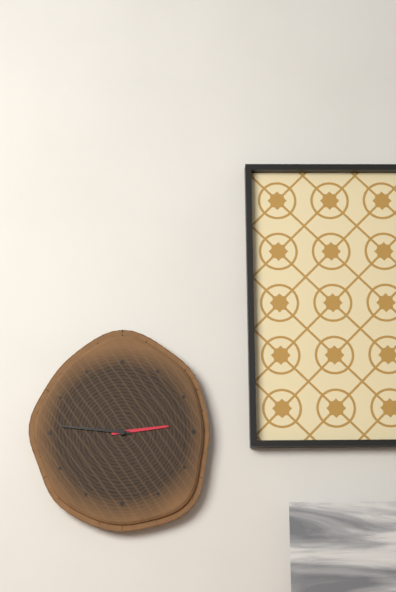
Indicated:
h=2 m=46
